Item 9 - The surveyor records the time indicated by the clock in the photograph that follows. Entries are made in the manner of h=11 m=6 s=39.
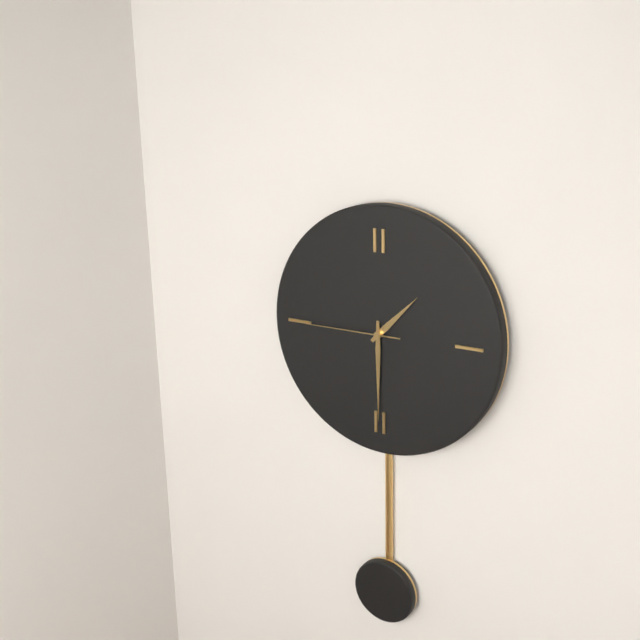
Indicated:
h=1 m=30 s=45
